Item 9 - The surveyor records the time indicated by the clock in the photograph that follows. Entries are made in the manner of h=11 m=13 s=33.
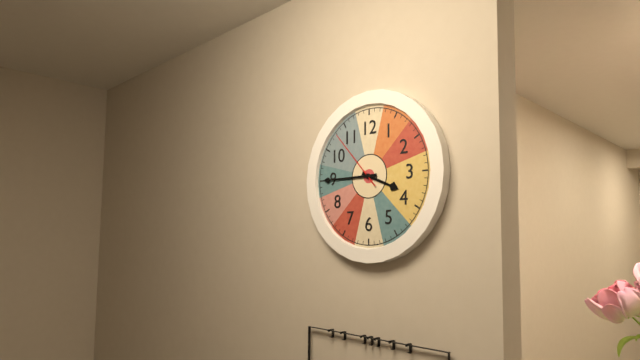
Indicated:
h=3 m=45 s=53
